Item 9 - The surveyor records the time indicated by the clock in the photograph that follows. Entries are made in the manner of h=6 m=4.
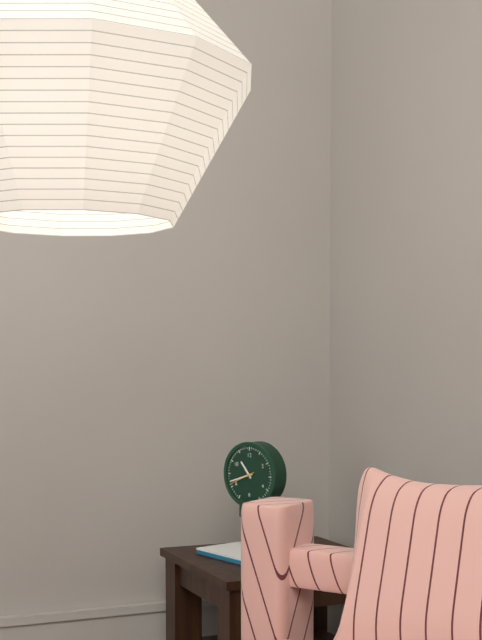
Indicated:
h=10 m=42
